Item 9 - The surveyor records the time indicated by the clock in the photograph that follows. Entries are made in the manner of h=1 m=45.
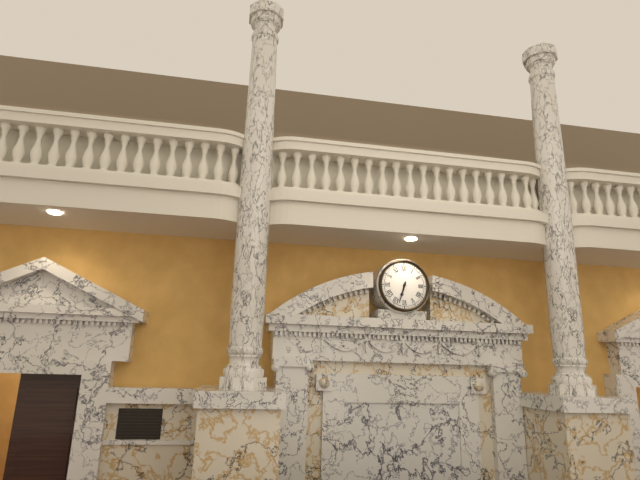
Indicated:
h=6 m=33
